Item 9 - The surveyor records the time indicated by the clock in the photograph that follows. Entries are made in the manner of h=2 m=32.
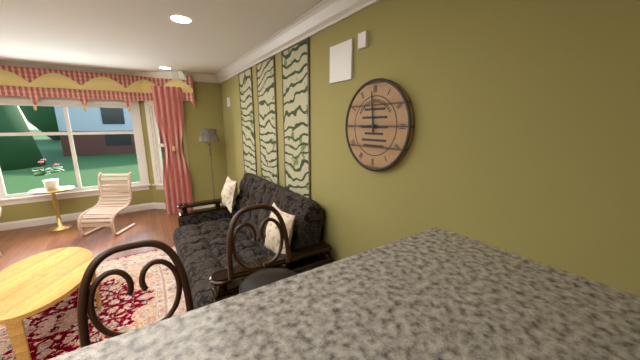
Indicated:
h=8 m=59
